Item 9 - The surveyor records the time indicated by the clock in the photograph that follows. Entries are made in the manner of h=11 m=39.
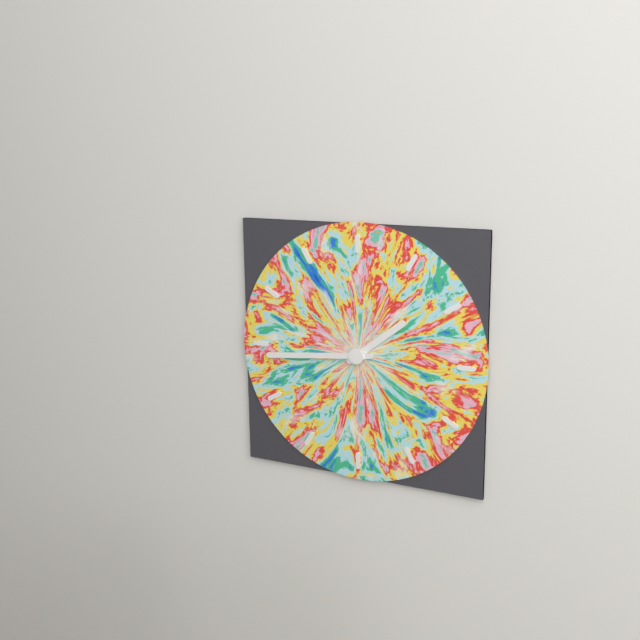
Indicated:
h=1 m=44
